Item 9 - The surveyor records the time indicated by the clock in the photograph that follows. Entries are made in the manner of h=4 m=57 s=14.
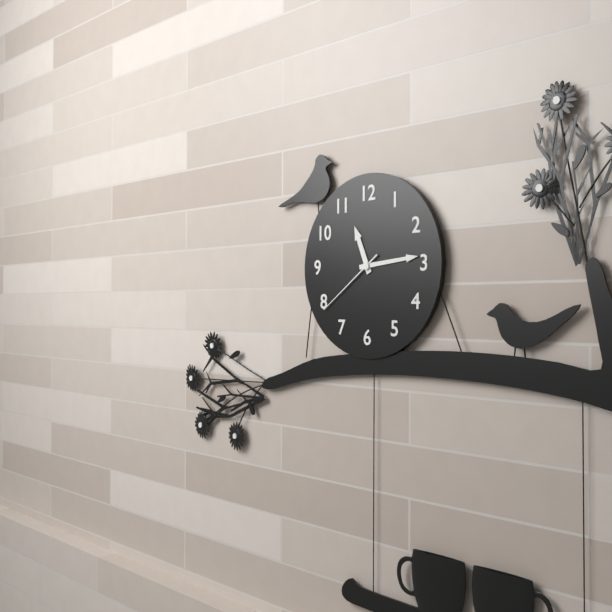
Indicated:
h=11 m=14 s=39
